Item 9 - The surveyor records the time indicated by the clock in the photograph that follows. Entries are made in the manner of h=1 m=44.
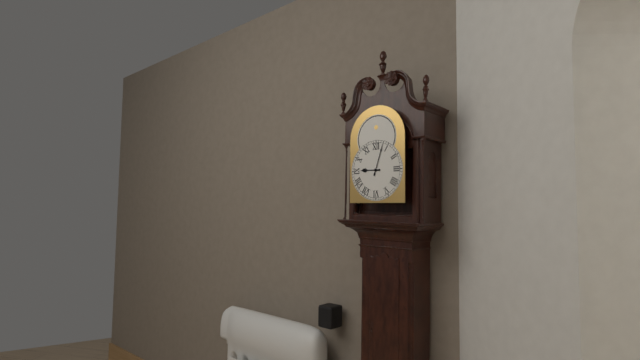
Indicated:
h=9 m=3
